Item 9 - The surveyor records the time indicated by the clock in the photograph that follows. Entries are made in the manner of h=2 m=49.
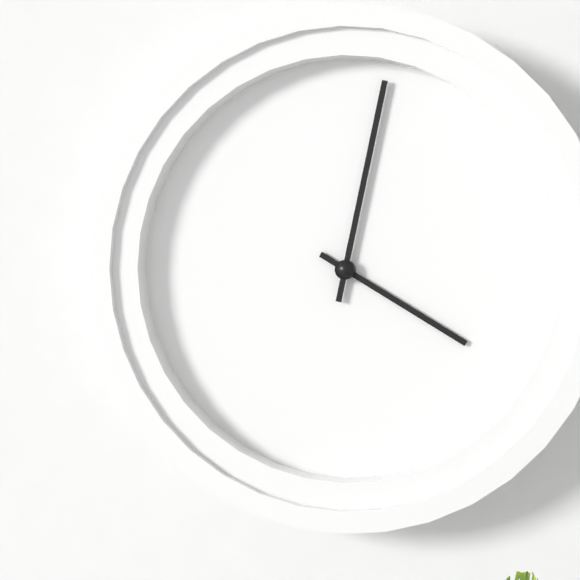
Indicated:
h=4 m=2
